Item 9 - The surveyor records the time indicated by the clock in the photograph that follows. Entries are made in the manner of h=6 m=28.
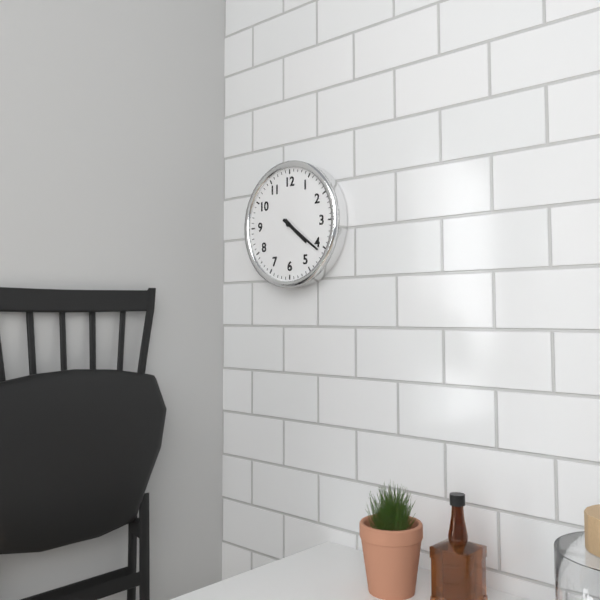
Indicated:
h=4 m=21
